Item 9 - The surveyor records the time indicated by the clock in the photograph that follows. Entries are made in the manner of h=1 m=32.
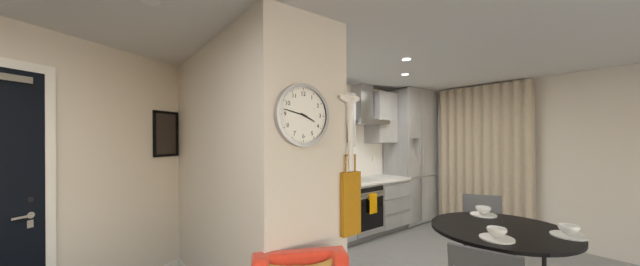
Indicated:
h=3 m=47
